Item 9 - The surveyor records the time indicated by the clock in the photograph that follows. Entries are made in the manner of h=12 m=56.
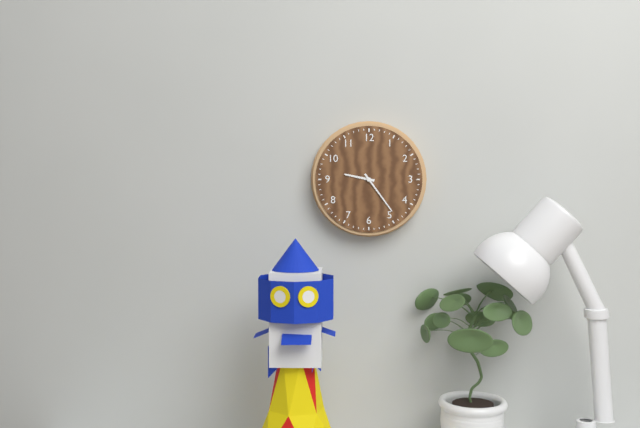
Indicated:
h=9 m=24
